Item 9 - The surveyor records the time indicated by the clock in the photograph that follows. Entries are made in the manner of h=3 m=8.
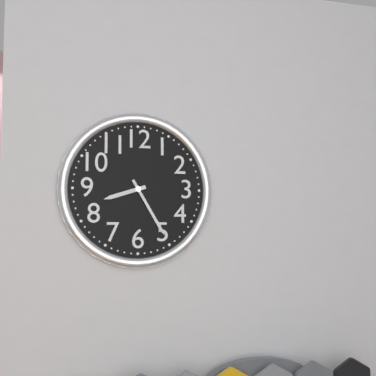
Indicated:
h=8 m=25
